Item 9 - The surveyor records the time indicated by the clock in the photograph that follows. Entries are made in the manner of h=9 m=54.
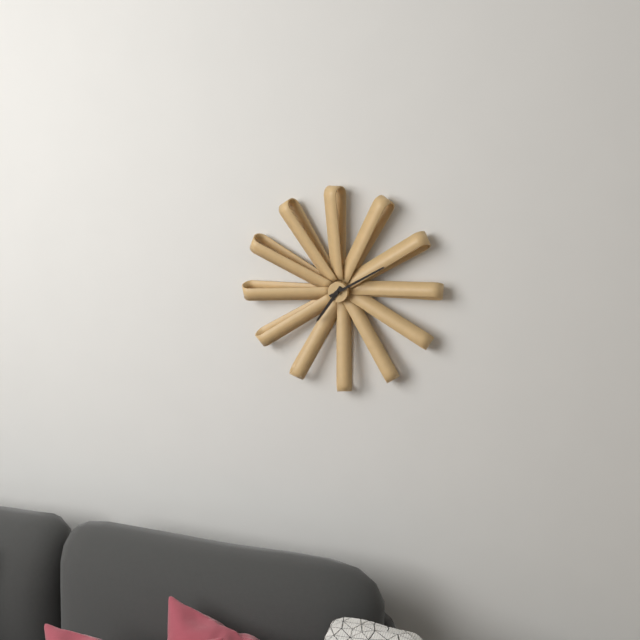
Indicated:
h=7 m=10
